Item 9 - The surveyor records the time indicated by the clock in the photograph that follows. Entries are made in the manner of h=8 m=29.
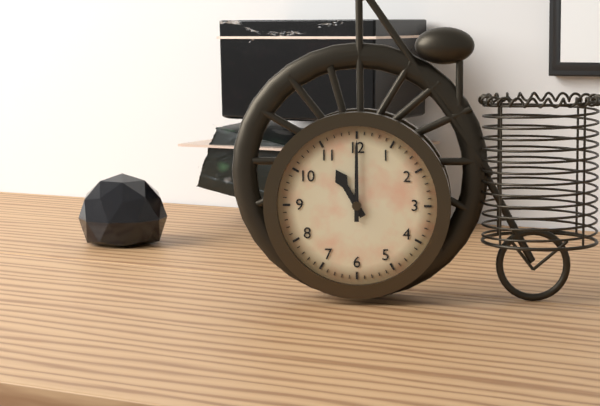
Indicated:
h=11 m=0
